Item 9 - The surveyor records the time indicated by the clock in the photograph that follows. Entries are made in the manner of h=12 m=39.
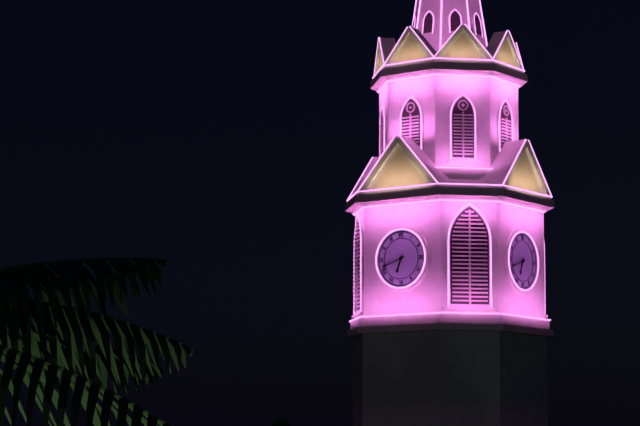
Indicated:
h=6 m=42
